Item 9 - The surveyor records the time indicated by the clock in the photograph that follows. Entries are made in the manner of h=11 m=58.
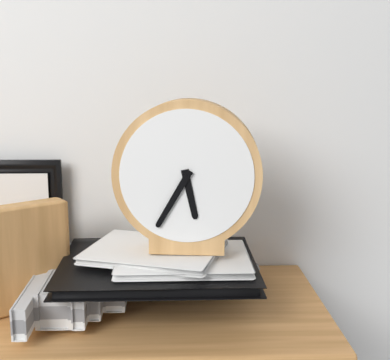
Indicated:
h=5 m=35
